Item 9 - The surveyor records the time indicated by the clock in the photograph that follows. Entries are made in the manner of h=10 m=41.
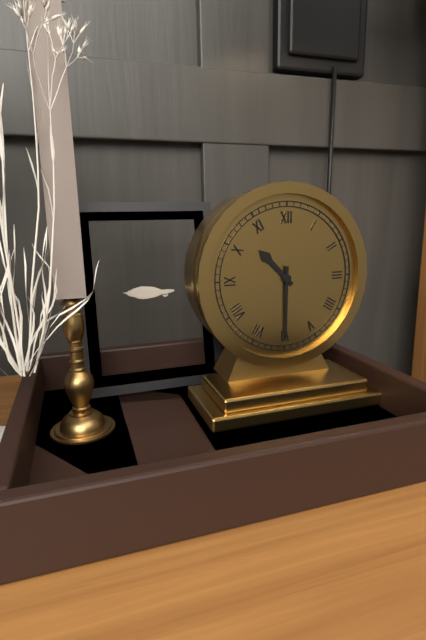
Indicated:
h=10 m=30
